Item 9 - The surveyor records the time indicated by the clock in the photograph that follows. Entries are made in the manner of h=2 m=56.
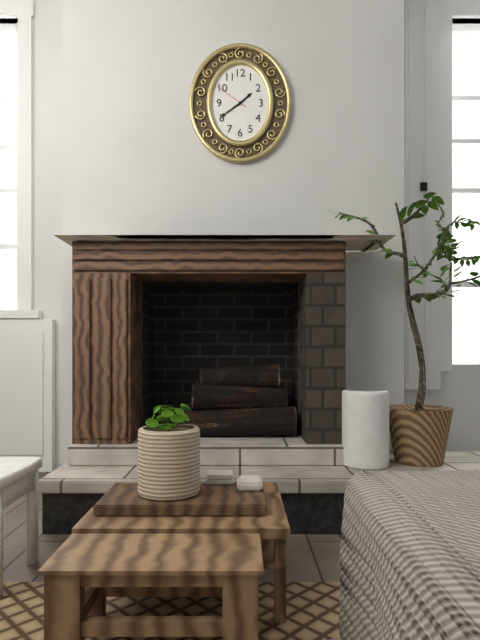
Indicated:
h=1 m=39
